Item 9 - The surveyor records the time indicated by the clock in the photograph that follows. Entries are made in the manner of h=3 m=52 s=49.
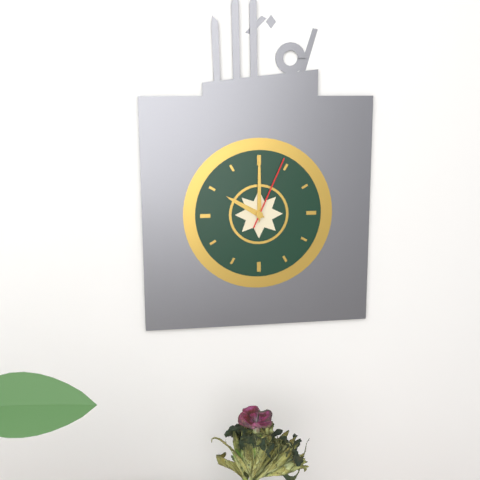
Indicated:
h=10 m=0 s=4
